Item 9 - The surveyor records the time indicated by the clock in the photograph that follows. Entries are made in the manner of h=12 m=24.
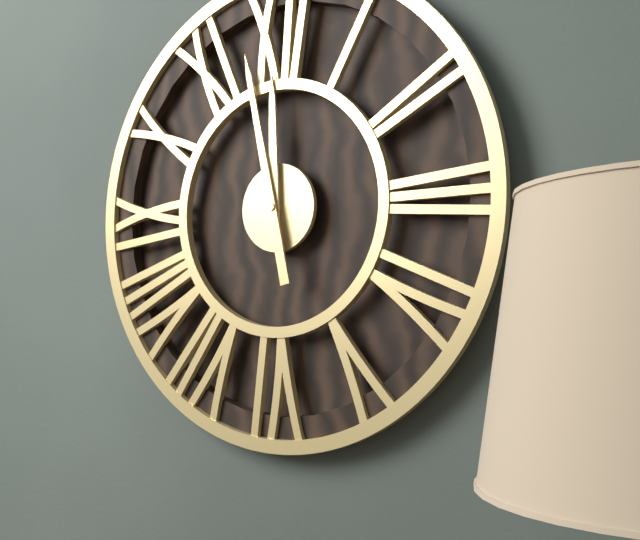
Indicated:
h=11 m=58
